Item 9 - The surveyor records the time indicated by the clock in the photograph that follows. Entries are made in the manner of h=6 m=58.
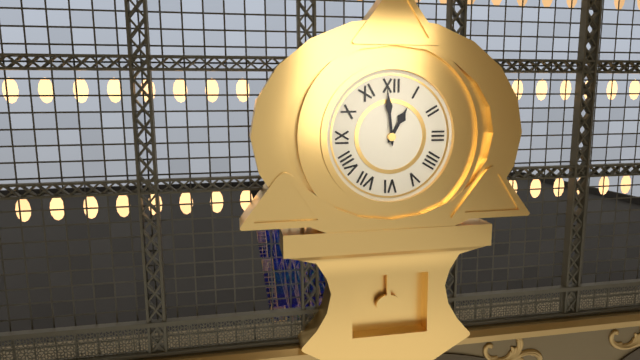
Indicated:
h=12 m=59
